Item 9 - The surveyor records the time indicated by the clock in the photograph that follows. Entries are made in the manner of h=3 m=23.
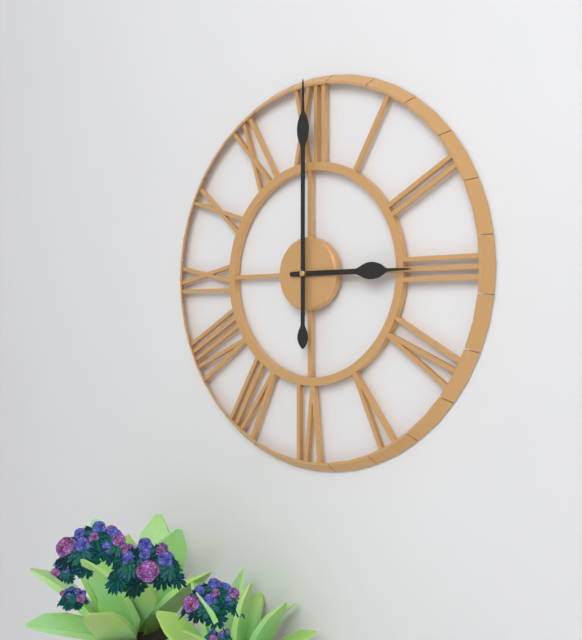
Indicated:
h=3 m=0
